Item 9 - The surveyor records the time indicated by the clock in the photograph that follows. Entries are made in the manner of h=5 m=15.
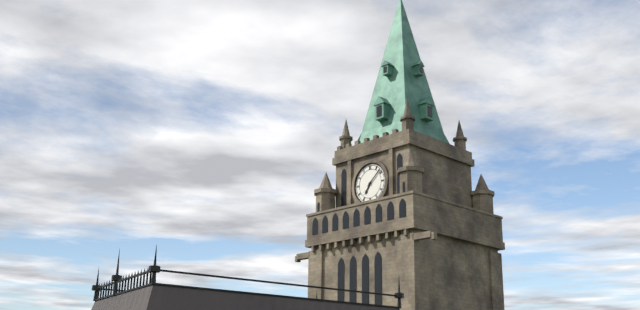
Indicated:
h=7 m=8
